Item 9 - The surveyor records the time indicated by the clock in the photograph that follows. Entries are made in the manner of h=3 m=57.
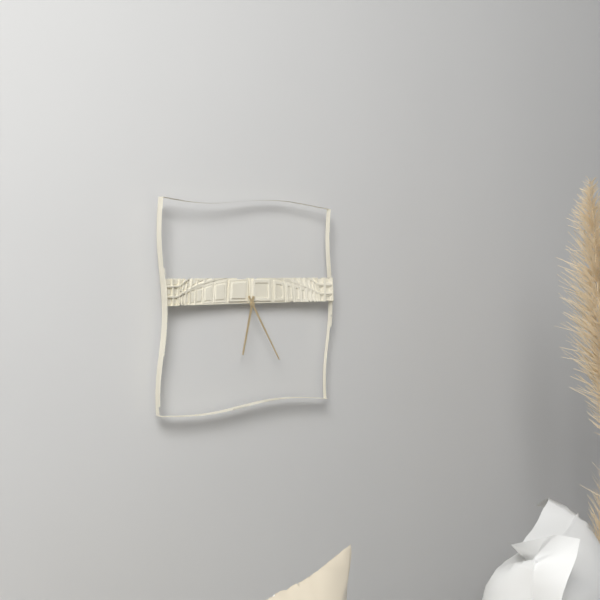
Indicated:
h=6 m=25
